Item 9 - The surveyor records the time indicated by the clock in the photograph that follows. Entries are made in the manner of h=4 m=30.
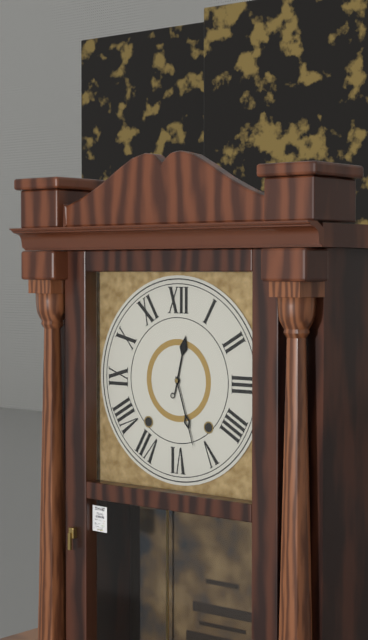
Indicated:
h=12 m=27
